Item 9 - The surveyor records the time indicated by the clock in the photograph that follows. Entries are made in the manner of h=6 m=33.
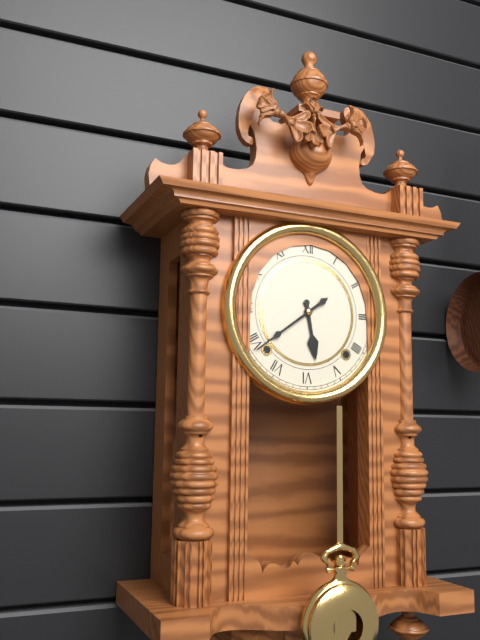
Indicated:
h=5 m=39
